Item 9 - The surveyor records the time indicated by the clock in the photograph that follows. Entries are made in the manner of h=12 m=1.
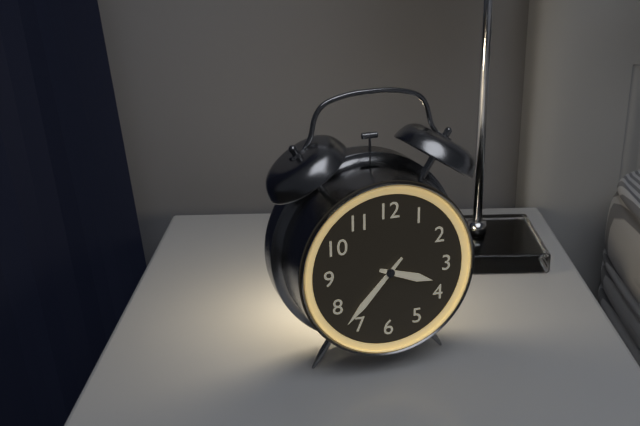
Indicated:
h=3 m=37
